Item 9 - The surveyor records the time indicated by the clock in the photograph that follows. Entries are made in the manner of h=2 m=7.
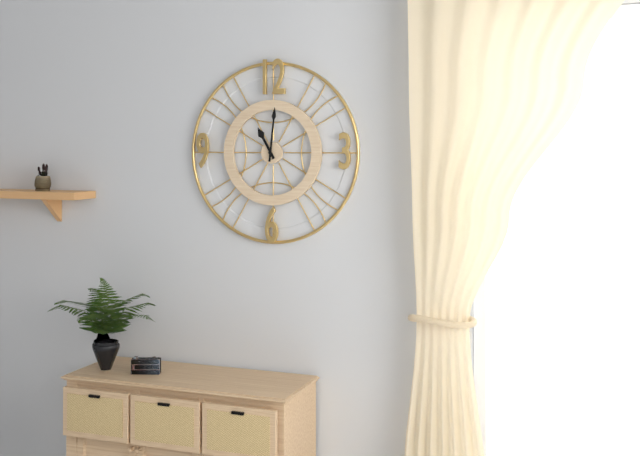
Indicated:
h=11 m=1
